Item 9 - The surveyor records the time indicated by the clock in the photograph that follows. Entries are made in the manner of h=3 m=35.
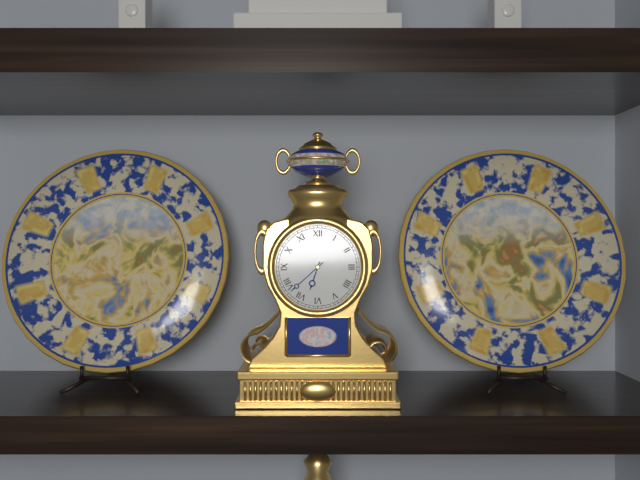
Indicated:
h=6 m=38
